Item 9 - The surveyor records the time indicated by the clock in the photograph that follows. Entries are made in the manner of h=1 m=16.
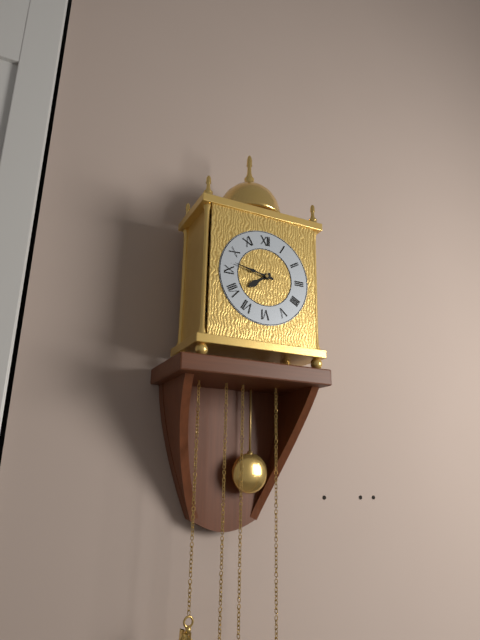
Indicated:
h=7 m=47
